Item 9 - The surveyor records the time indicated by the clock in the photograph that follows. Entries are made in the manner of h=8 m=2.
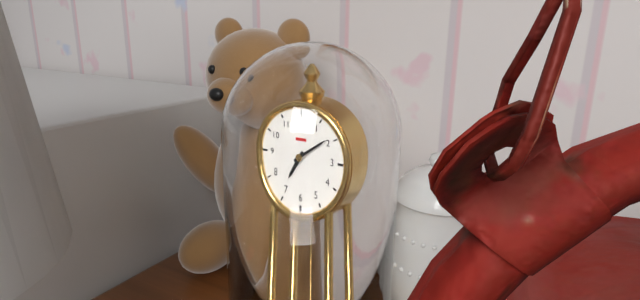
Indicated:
h=7 m=9
